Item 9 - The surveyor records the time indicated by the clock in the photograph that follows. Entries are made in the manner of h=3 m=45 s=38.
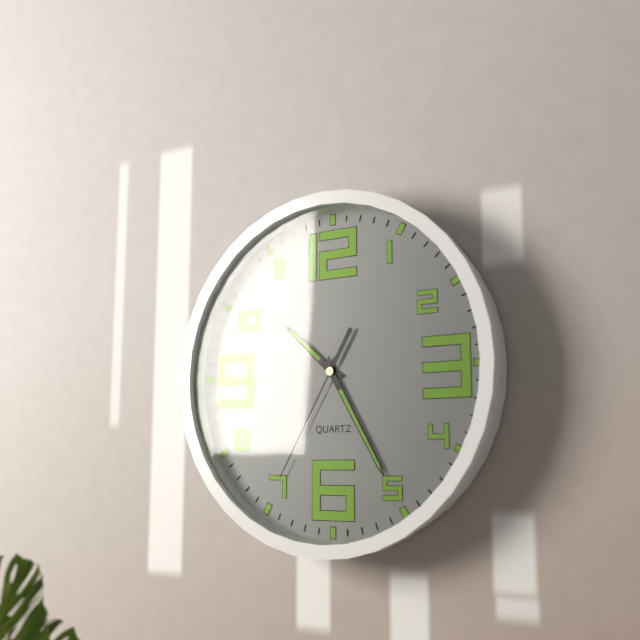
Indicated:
h=10 m=25 s=35
